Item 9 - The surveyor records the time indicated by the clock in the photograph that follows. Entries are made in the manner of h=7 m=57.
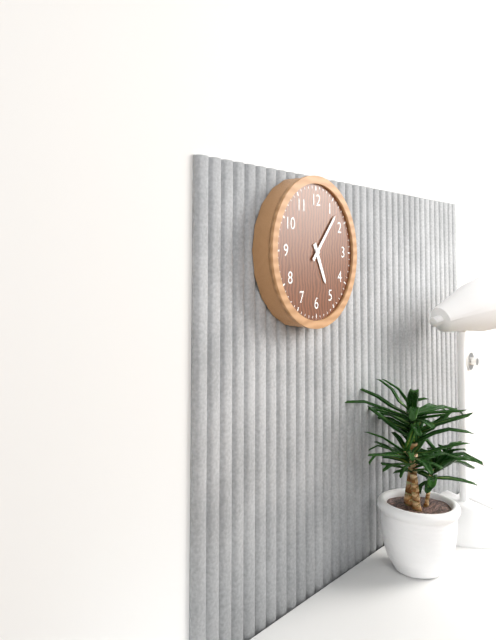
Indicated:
h=5 m=7
